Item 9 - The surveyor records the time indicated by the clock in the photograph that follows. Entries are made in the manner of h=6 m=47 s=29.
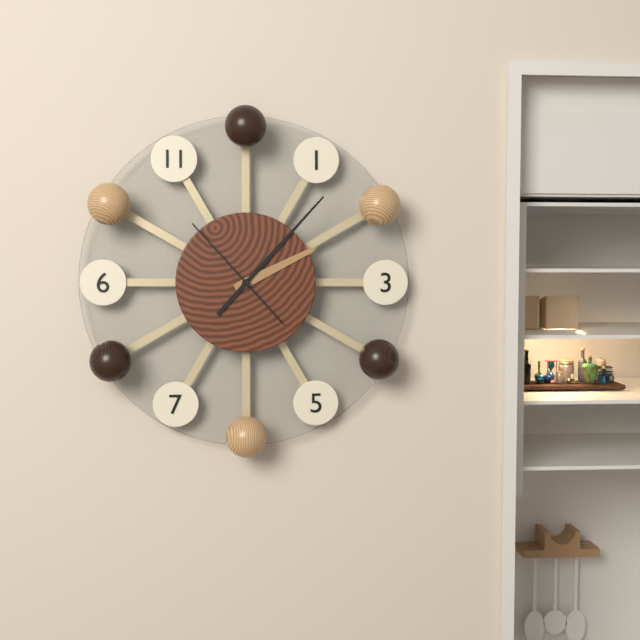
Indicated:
h=2 m=7 s=53
